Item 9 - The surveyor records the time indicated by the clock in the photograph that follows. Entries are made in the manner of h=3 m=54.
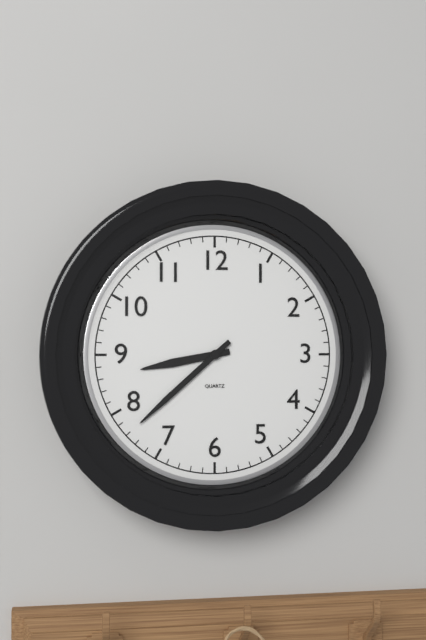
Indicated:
h=8 m=38
